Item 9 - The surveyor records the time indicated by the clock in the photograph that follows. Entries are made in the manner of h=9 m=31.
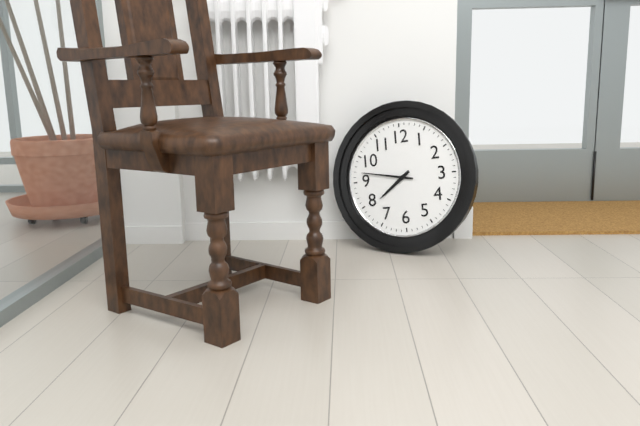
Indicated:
h=7 m=47
